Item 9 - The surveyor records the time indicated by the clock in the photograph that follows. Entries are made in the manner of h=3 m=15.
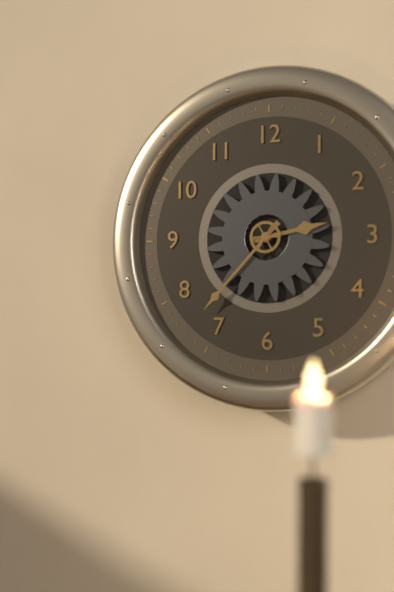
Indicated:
h=2 m=37
